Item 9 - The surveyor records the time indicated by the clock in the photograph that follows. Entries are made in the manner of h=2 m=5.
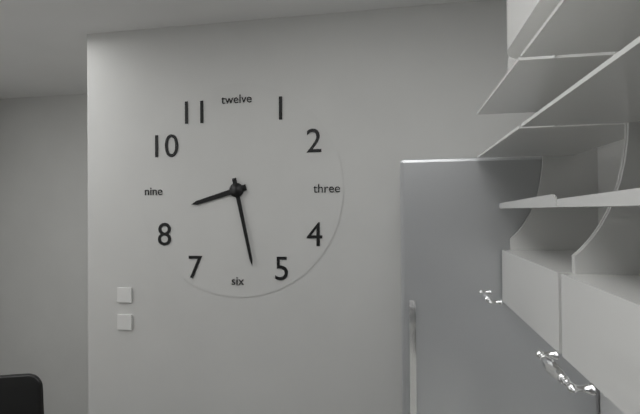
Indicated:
h=8 m=28
